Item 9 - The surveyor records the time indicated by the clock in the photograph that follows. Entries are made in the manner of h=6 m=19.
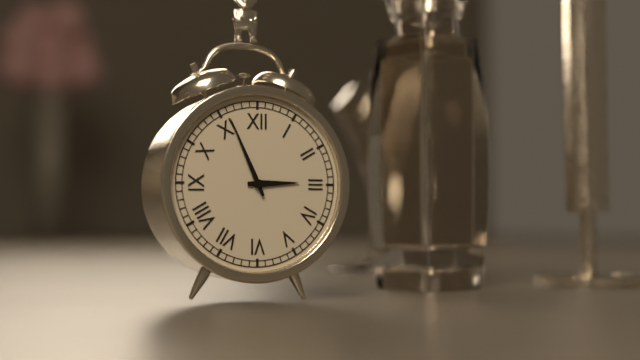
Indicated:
h=2 m=56
